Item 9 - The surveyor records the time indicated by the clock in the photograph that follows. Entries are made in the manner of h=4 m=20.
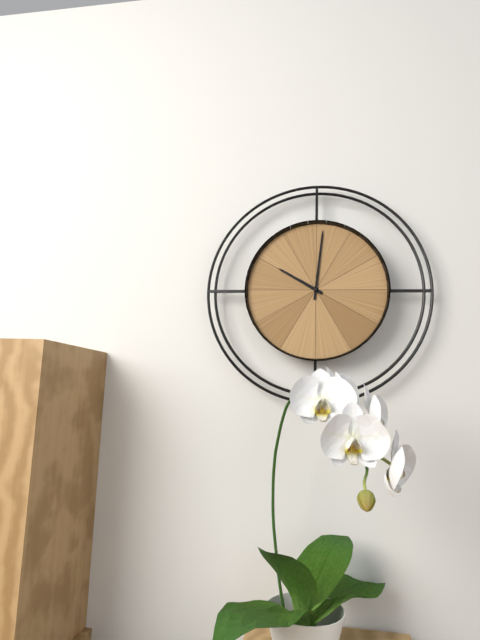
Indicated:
h=10 m=1
